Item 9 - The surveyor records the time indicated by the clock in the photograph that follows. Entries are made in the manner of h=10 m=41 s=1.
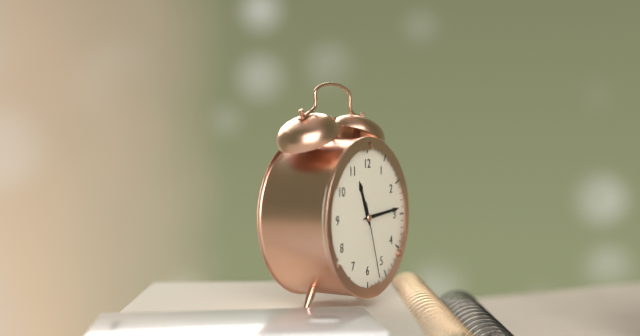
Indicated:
h=11 m=14 s=27
